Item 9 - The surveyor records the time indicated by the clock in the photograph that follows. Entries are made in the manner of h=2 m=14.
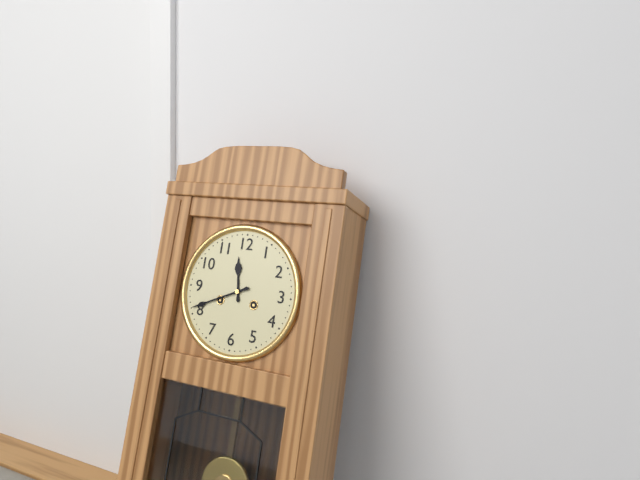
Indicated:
h=11 m=41
